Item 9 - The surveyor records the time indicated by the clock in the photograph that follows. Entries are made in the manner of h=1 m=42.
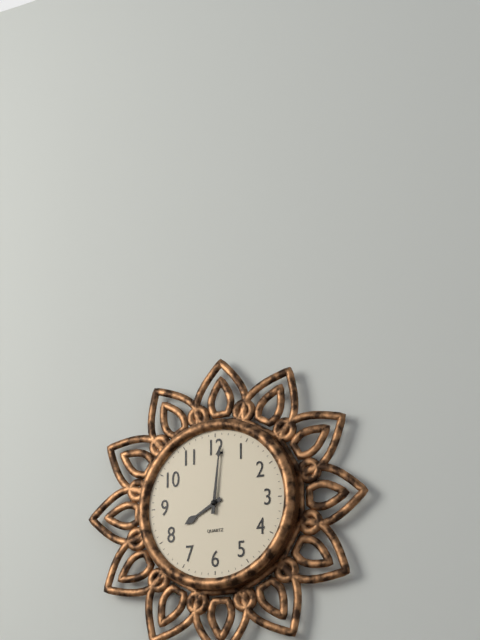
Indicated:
h=8 m=1
